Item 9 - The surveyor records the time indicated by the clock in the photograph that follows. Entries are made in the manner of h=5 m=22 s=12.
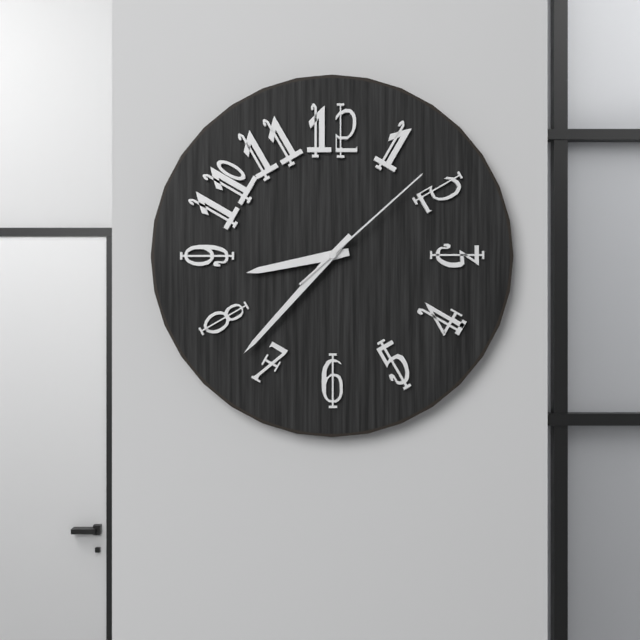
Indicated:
h=8 m=37 s=8
